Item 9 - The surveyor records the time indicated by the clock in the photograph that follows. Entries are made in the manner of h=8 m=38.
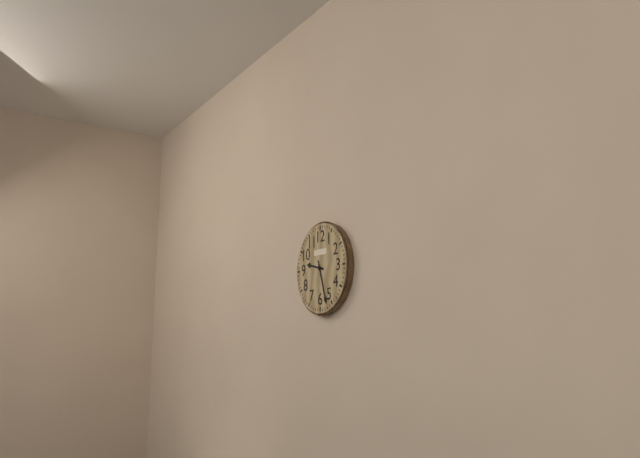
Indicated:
h=9 m=27
